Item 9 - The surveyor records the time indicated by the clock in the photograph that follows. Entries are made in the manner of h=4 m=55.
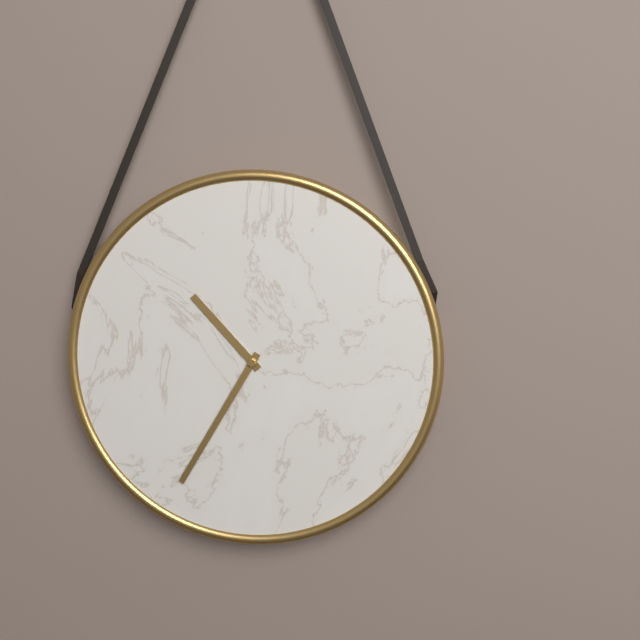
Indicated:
h=10 m=35
